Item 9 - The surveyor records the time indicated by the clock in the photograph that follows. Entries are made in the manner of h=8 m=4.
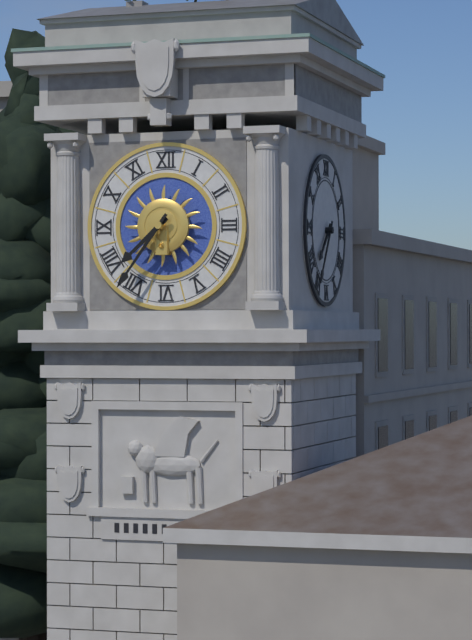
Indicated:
h=7 m=36
